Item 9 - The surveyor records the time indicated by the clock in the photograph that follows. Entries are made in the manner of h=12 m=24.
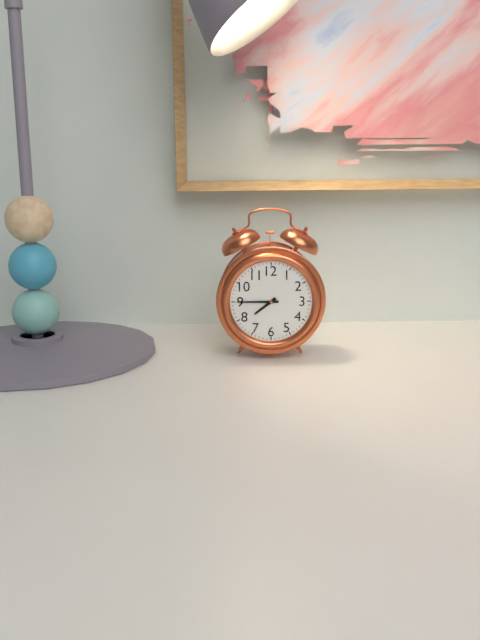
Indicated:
h=7 m=45
